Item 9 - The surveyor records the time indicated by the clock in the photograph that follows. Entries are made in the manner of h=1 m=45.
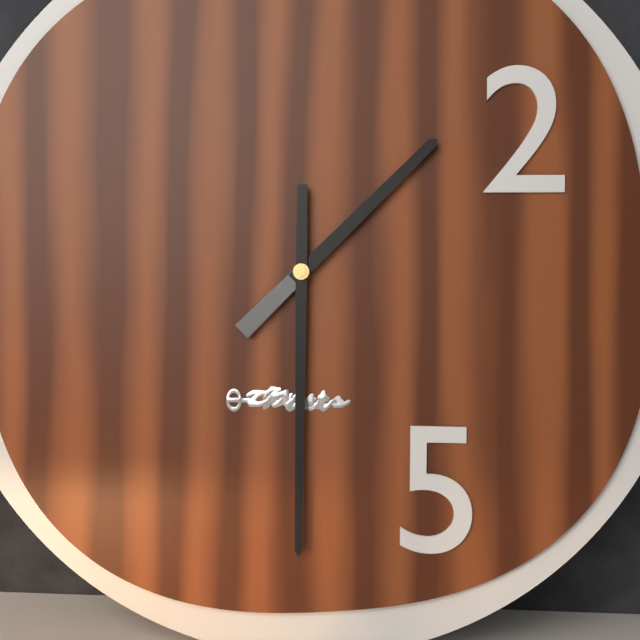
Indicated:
h=1 m=30
